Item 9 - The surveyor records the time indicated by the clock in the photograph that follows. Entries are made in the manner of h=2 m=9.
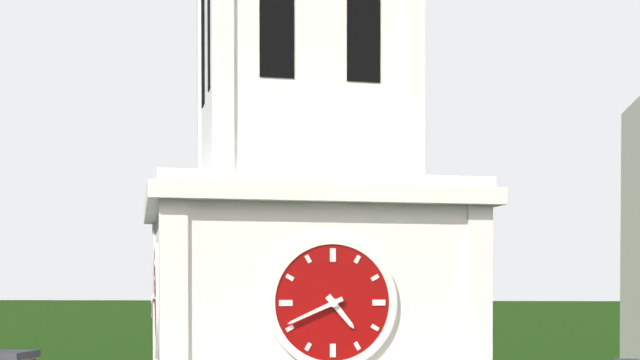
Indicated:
h=4 m=41
